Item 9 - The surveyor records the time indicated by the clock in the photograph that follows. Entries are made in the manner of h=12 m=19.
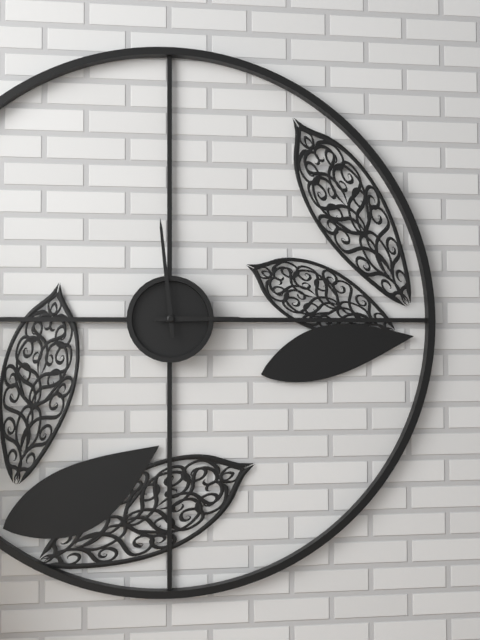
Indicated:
h=2 m=59
